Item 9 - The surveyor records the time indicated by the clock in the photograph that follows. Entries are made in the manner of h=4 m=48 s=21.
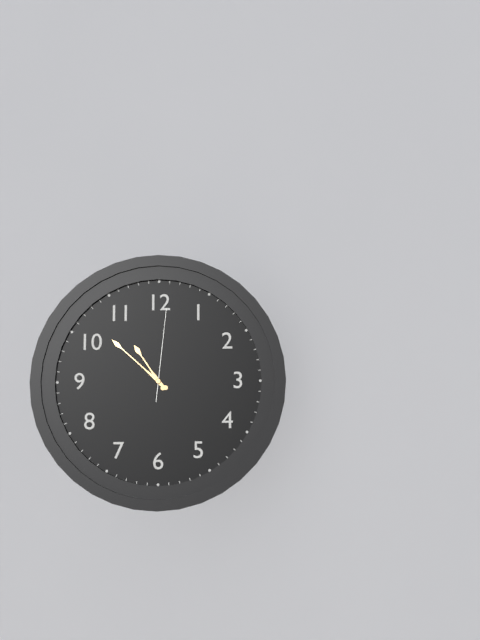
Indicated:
h=10 m=52 s=1
